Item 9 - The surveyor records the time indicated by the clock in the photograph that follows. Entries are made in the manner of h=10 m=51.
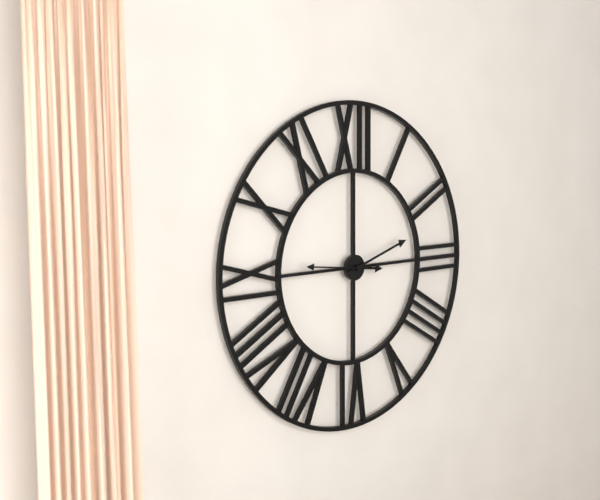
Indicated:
h=3 m=12
